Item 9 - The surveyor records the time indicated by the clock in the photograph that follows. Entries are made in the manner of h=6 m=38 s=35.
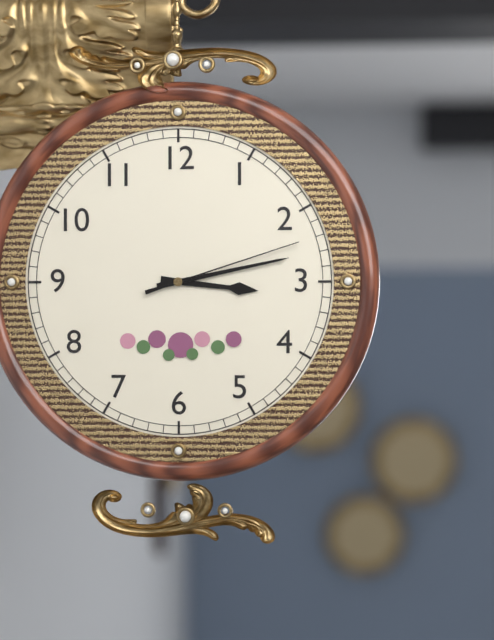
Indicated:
h=3 m=13 s=12
